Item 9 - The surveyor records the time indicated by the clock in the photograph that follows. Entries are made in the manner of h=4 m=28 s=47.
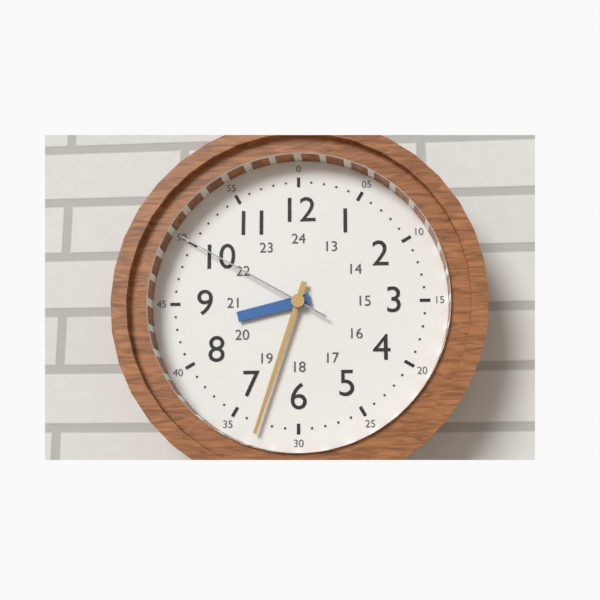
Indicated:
h=8 m=33 s=50
